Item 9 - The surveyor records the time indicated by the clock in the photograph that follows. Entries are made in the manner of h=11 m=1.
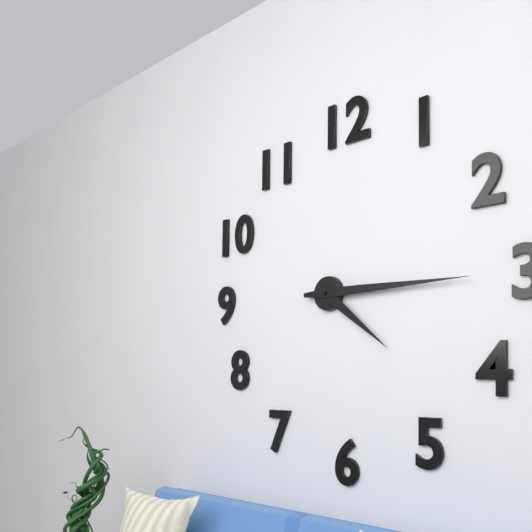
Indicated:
h=4 m=15
